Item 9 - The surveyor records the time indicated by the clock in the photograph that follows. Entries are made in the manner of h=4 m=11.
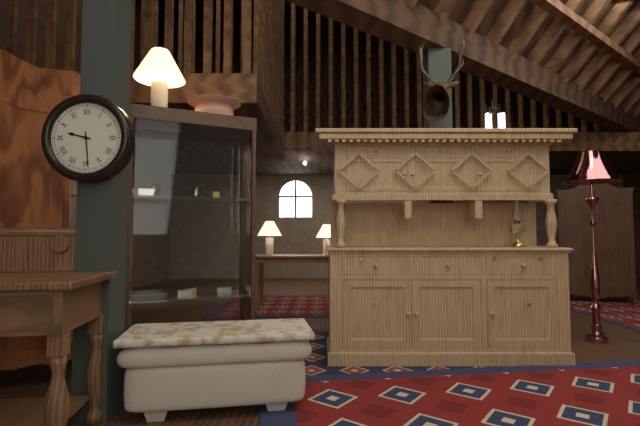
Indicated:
h=9 m=29
